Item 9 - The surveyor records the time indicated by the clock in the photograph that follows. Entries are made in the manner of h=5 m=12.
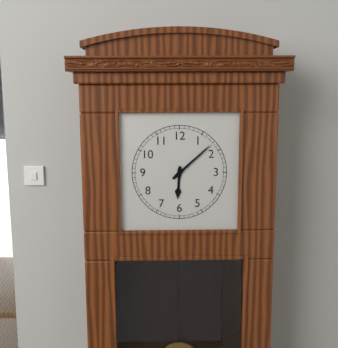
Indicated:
h=6 m=8
